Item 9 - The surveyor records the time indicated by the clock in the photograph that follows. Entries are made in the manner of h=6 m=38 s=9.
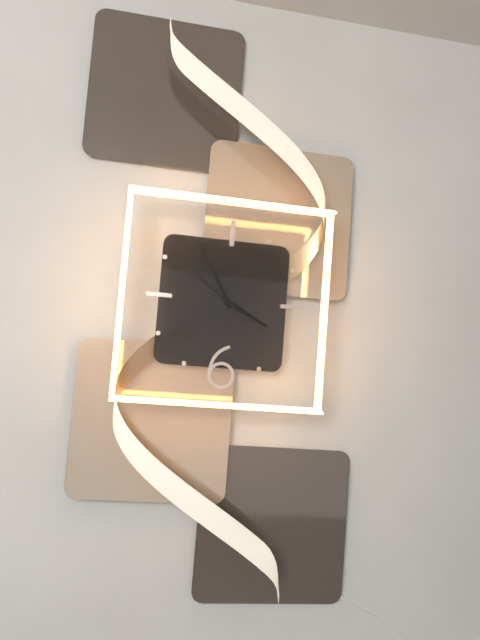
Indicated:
h=3 m=55 s=51
